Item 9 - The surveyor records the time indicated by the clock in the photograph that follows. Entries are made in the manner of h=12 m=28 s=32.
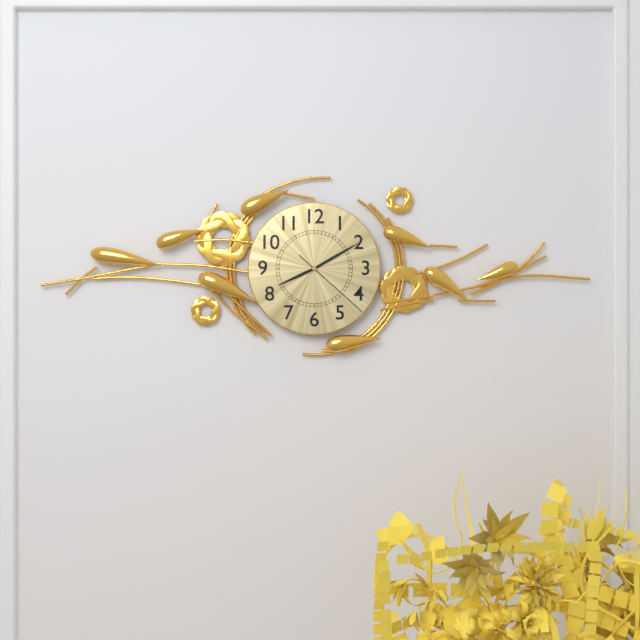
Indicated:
h=8 m=10 s=22
